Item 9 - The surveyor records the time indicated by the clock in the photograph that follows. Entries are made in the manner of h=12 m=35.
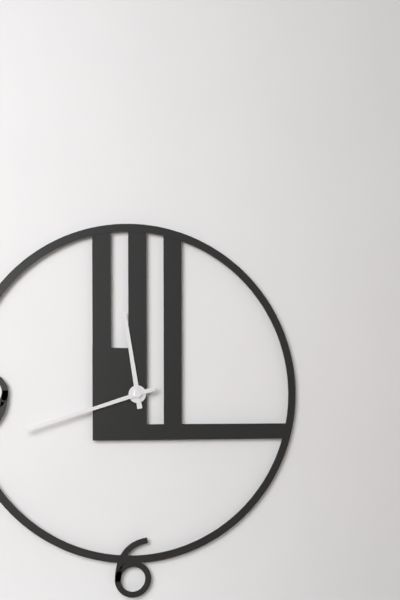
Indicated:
h=11 m=42
